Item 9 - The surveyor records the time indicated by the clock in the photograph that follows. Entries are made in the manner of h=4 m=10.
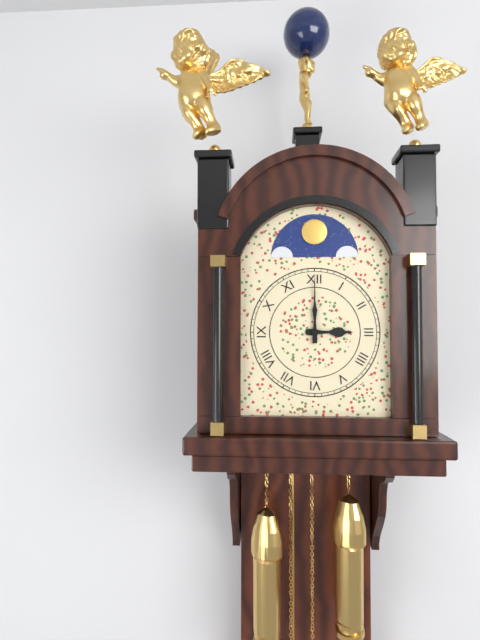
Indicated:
h=3 m=0
